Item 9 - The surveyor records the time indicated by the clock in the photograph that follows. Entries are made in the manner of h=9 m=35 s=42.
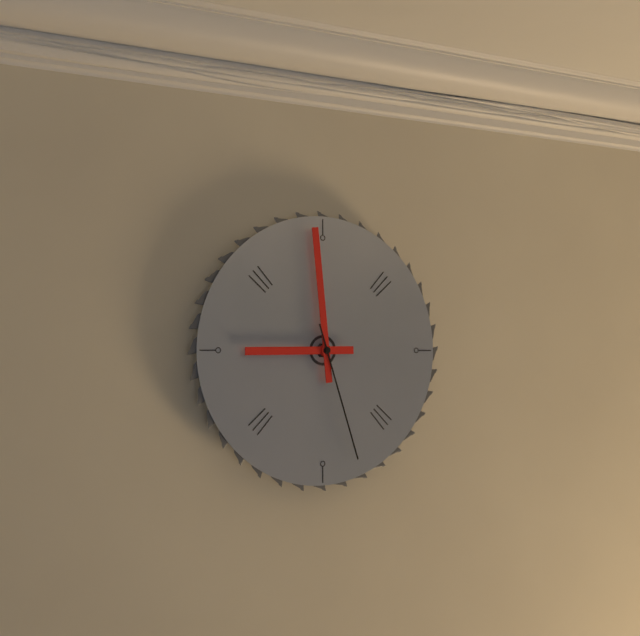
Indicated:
h=8 m=59 s=27
